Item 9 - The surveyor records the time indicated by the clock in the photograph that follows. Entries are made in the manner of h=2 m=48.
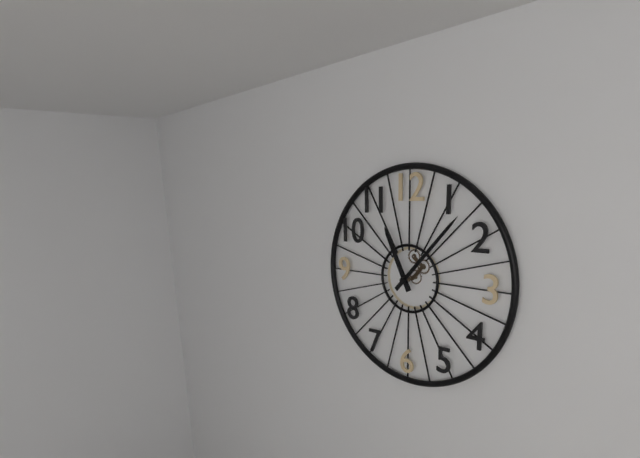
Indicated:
h=11 m=7
